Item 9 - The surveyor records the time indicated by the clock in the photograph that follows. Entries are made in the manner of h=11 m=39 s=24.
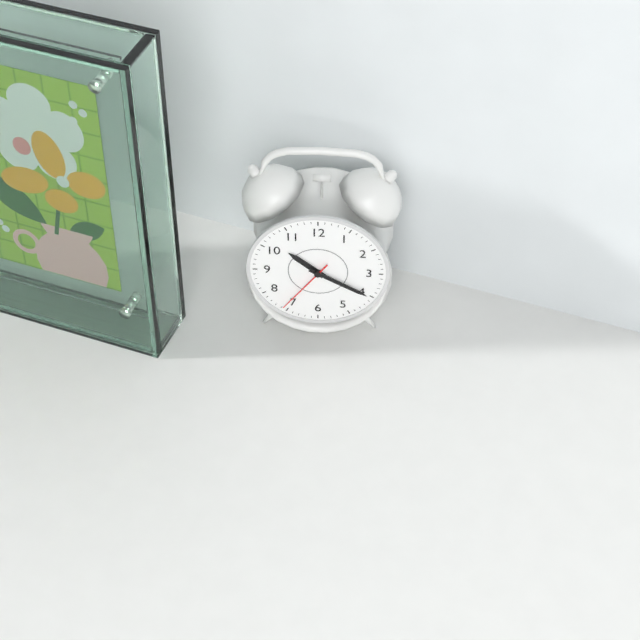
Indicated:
h=10 m=20 s=36
